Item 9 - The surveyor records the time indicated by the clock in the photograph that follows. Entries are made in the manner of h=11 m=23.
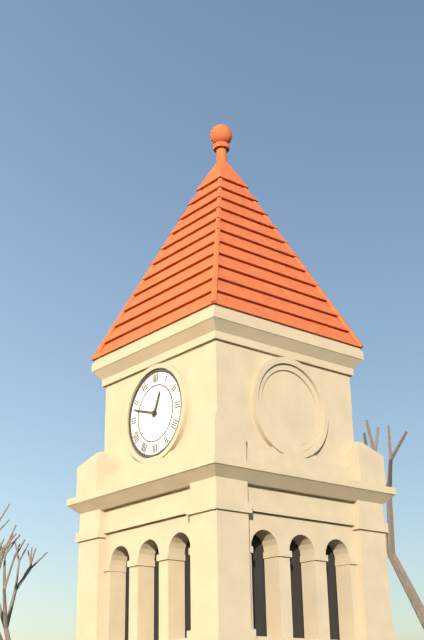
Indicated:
h=12 m=48
